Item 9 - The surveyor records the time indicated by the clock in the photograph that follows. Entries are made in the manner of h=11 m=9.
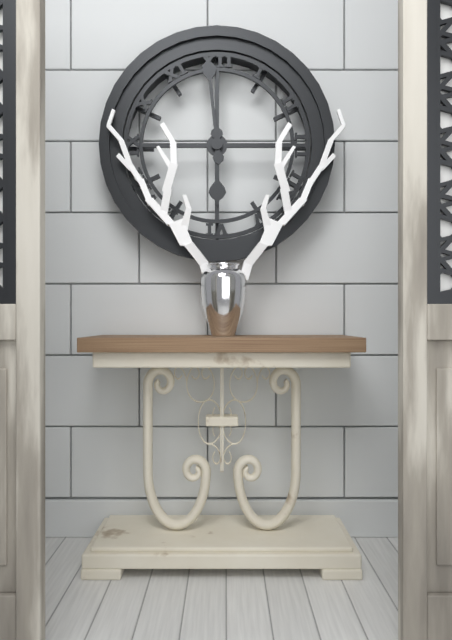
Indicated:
h=5 m=59
